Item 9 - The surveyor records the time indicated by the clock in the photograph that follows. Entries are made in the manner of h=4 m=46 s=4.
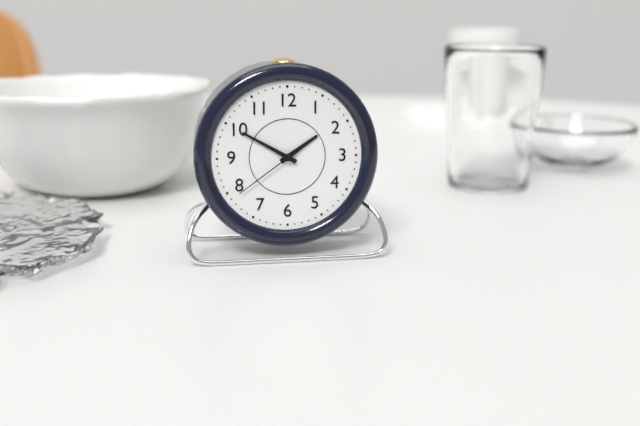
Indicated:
h=1 m=50 s=39
